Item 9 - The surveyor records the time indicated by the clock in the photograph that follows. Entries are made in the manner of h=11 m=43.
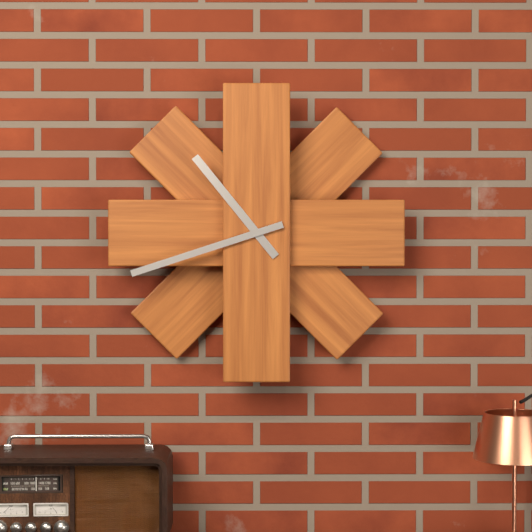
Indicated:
h=10 m=42
